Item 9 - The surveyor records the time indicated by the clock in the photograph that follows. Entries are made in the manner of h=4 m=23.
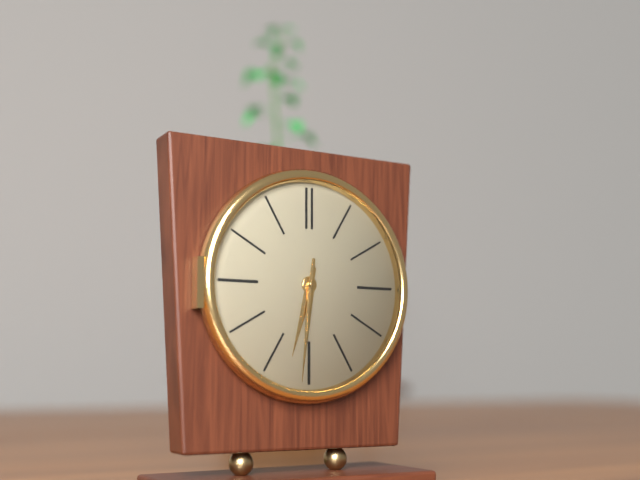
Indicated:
h=6 m=31
